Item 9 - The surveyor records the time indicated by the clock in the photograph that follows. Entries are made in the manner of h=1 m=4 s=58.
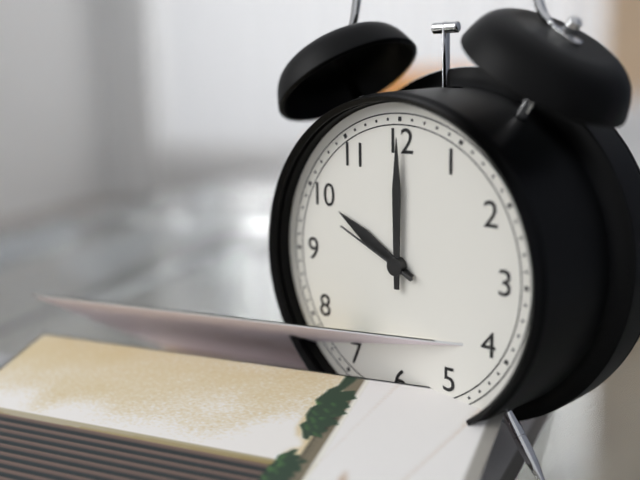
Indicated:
h=10 m=0 s=49
